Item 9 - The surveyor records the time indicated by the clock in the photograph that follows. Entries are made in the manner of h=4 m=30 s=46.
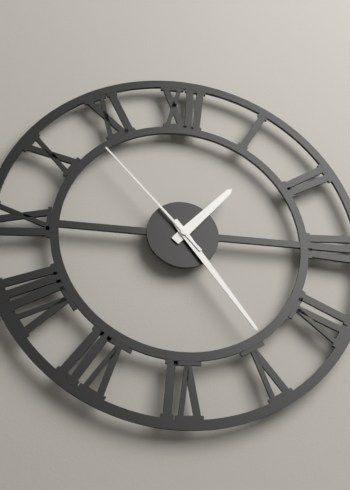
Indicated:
h=1 m=24 s=53
